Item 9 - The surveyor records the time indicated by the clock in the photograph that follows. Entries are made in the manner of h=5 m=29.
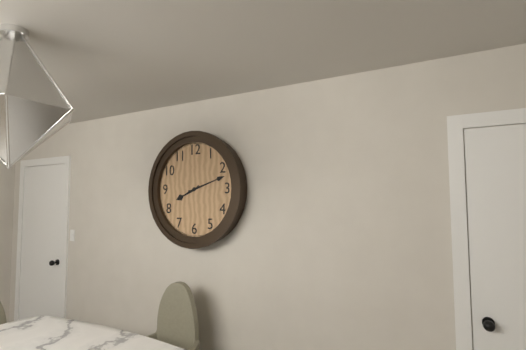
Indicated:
h=8 m=12
